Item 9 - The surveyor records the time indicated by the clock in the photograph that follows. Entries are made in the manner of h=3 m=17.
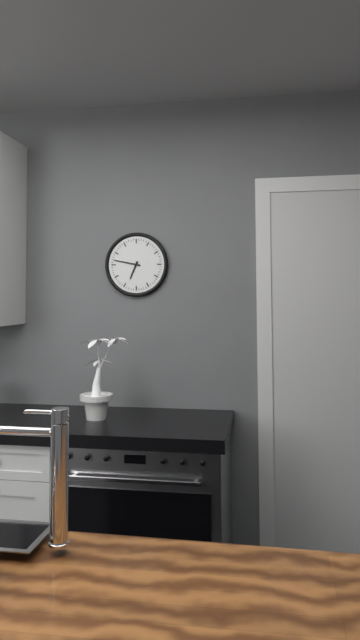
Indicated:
h=6 m=47
